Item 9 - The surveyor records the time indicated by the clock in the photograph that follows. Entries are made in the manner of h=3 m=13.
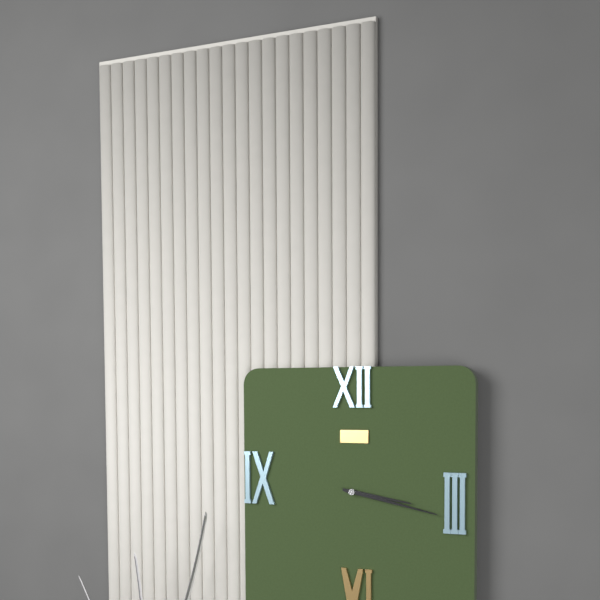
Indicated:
h=3 m=17
